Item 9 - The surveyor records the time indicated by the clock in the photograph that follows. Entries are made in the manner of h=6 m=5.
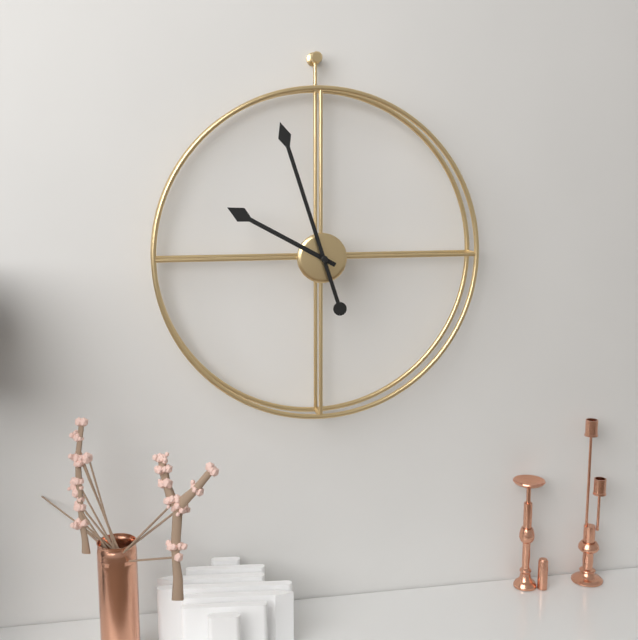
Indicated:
h=9 m=57
